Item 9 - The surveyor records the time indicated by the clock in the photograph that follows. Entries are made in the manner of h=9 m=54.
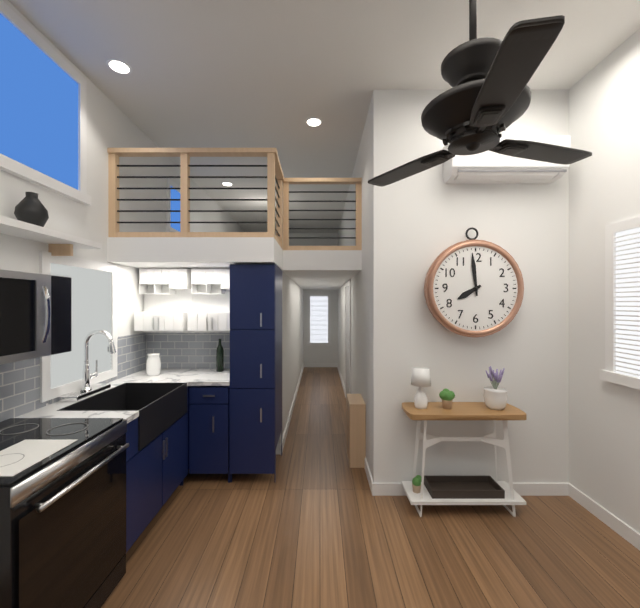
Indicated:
h=7 m=59
